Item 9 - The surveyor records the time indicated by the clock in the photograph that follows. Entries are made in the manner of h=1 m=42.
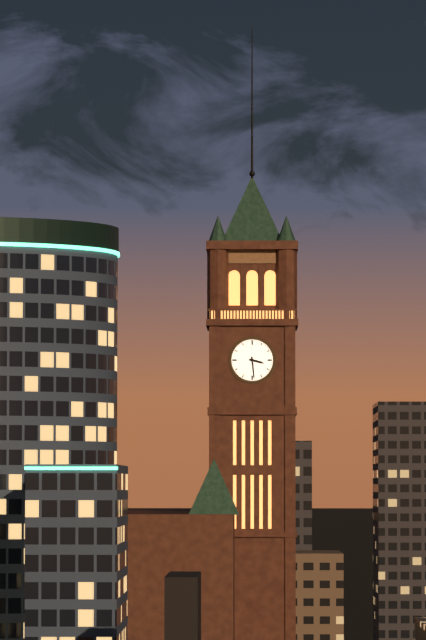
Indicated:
h=3 m=29
